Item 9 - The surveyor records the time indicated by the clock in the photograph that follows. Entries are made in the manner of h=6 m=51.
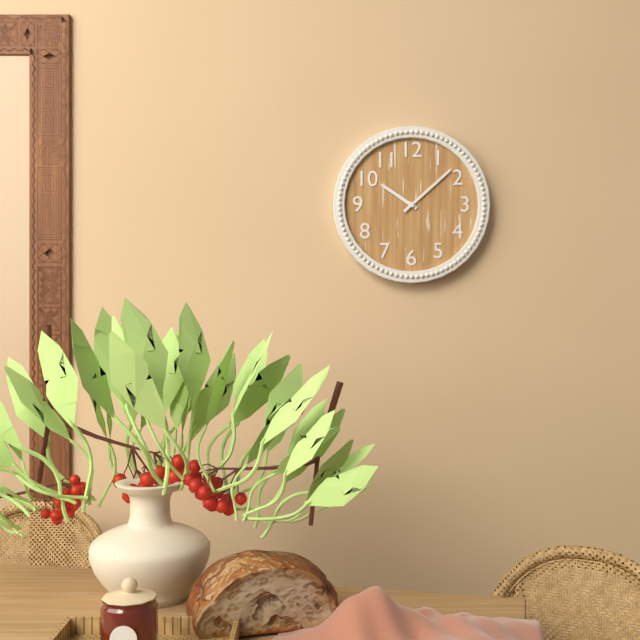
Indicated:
h=10 m=8
